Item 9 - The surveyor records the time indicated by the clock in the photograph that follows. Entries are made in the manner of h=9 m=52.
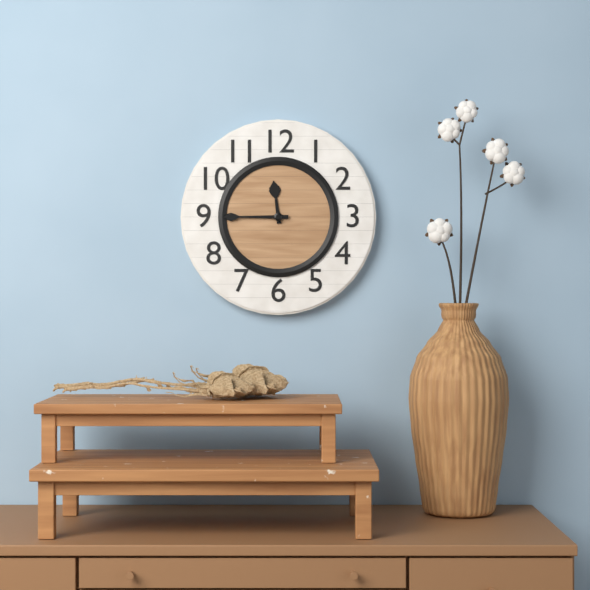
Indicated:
h=11 m=45
